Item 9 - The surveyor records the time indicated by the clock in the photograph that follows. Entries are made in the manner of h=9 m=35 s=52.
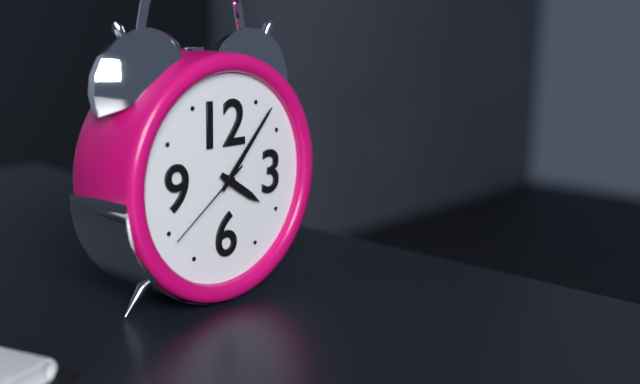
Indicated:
h=4 m=7 s=39
